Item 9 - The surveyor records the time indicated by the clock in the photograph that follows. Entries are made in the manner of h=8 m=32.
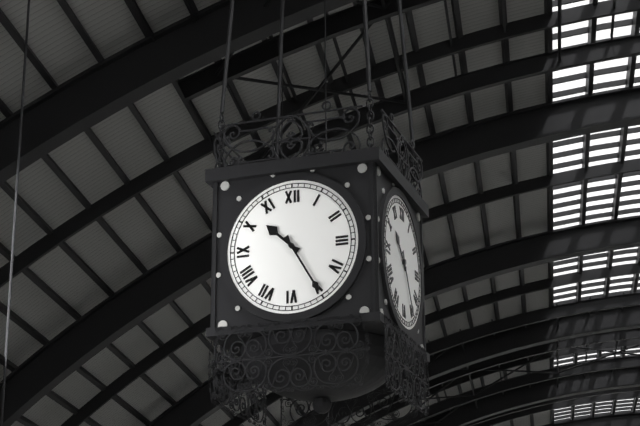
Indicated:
h=10 m=25
